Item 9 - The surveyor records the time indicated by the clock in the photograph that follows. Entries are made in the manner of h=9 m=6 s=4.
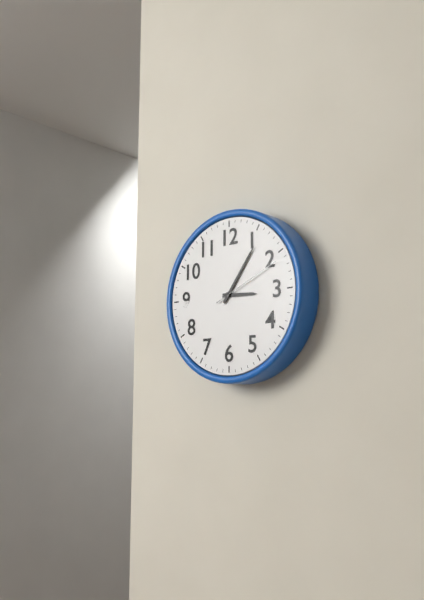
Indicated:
h=3 m=6 s=11
